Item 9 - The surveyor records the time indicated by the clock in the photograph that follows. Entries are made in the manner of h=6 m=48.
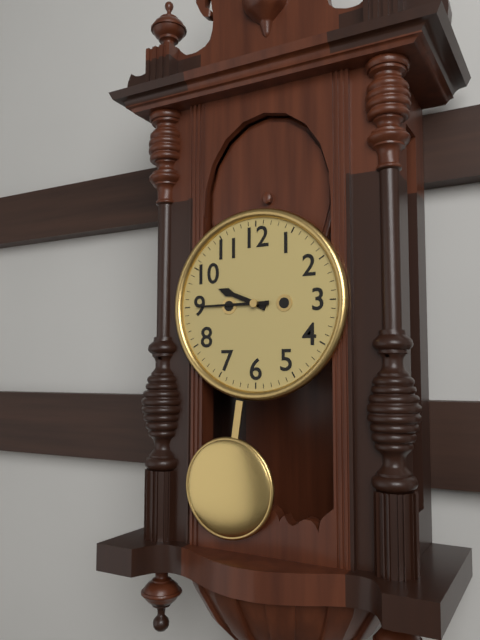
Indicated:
h=9 m=45
